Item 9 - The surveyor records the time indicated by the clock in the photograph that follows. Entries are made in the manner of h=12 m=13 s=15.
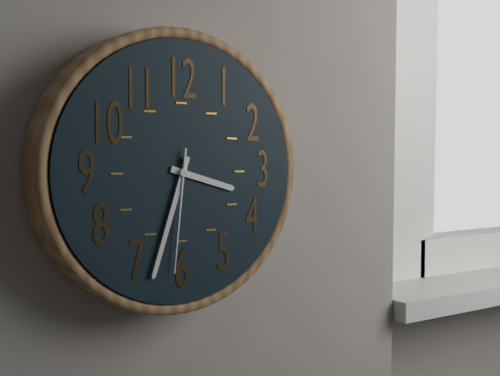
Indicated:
h=3 m=33 s=31
